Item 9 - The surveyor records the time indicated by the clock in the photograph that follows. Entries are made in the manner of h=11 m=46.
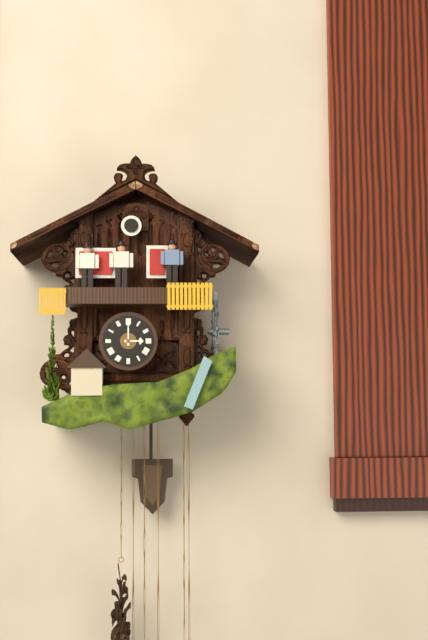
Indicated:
h=3 m=0
